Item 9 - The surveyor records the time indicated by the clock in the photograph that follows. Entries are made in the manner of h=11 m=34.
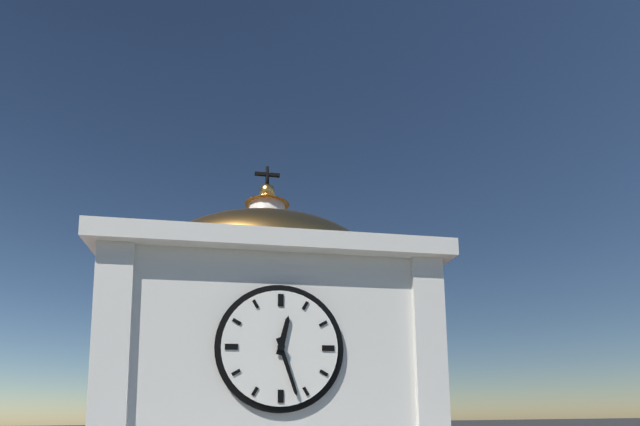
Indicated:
h=12 m=27
